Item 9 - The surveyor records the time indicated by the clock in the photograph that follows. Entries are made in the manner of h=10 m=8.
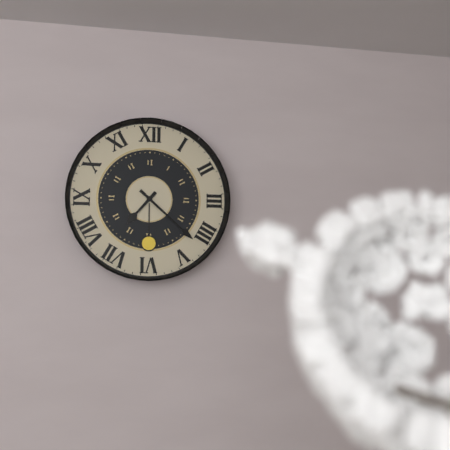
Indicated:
h=7 m=22
